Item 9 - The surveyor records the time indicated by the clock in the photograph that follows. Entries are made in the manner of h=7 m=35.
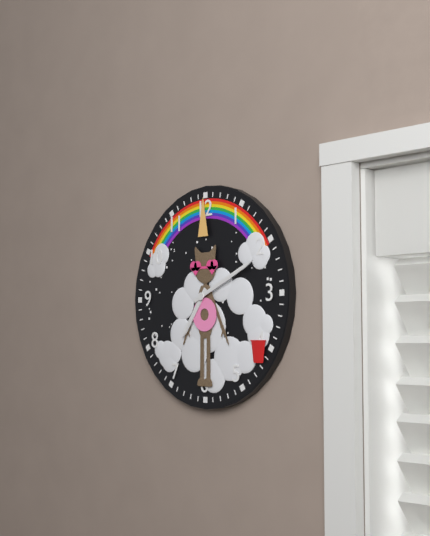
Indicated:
h=7 m=11
